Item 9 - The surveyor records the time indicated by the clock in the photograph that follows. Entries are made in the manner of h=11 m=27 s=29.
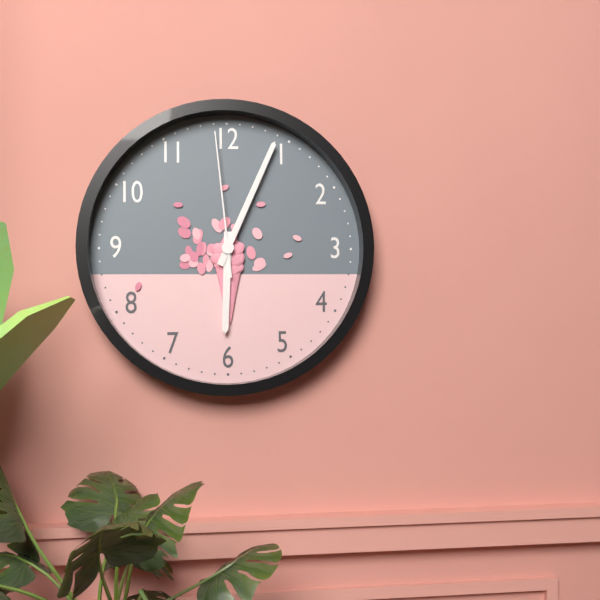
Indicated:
h=6 m=4 s=59
